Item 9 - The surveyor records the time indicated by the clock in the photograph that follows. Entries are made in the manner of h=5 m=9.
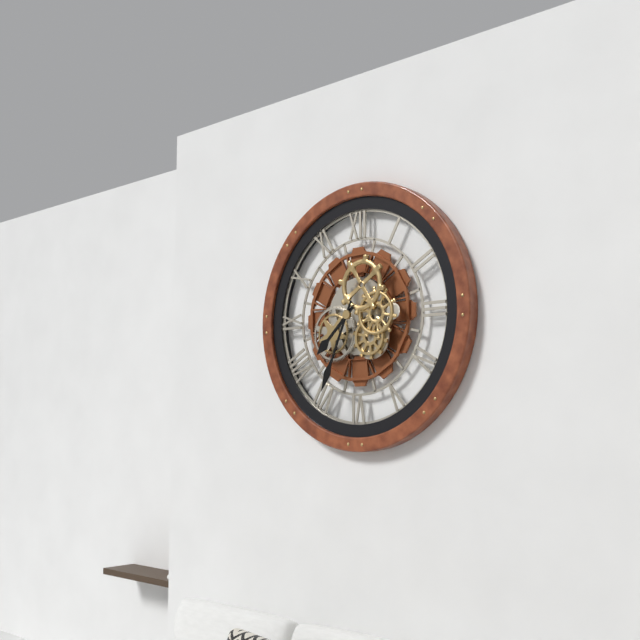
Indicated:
h=7 m=34
